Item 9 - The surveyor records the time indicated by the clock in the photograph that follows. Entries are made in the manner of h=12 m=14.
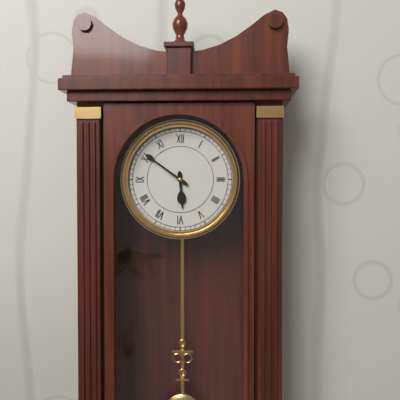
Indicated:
h=5 m=51
